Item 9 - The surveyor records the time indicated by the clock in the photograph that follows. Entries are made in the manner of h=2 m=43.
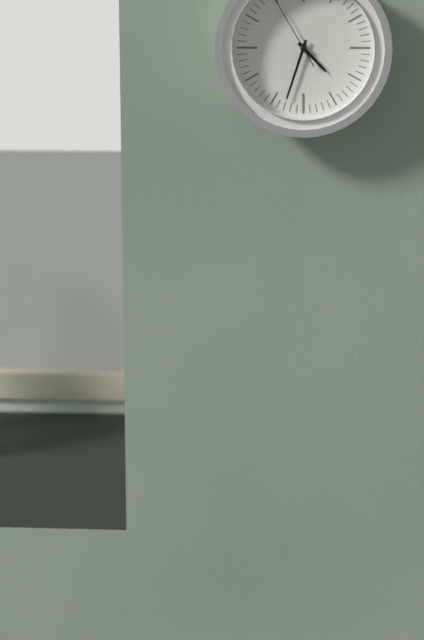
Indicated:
h=4 m=33
